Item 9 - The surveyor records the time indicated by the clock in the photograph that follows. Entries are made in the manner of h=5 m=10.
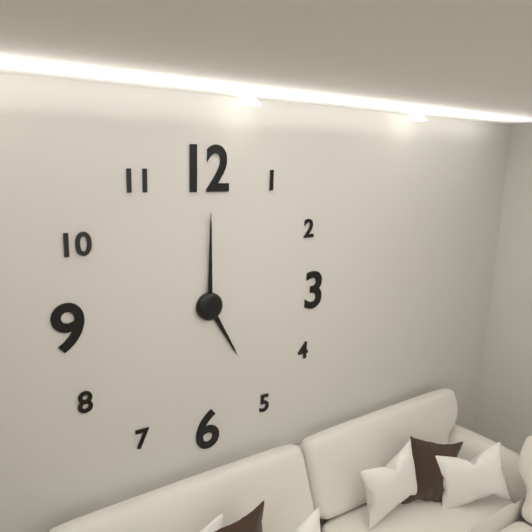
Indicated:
h=5 m=0
